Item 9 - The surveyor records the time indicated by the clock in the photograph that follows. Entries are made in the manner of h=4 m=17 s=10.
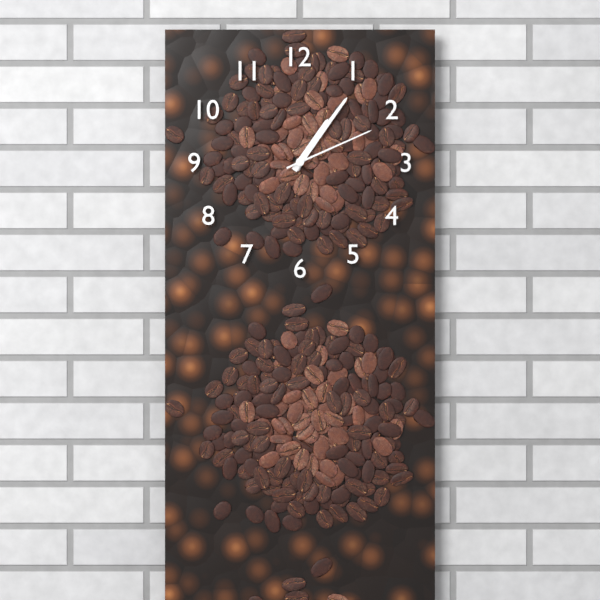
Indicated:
h=1 m=6 s=11
